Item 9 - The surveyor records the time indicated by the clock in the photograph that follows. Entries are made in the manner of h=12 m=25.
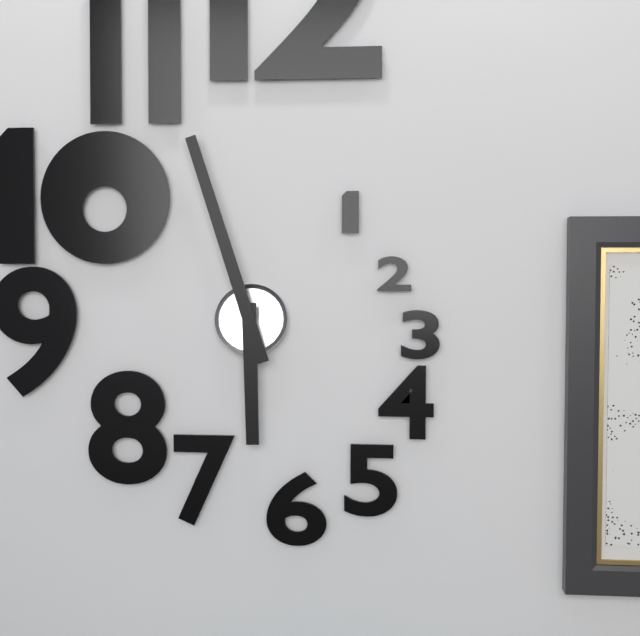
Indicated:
h=5 m=57
